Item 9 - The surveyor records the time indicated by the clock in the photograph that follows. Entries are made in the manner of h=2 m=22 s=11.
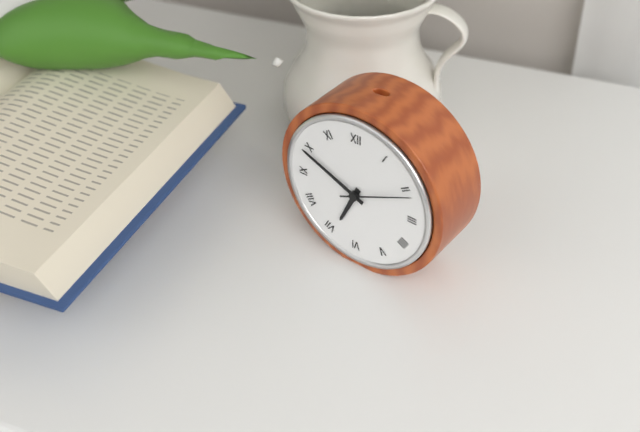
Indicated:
h=6 m=49 s=11
